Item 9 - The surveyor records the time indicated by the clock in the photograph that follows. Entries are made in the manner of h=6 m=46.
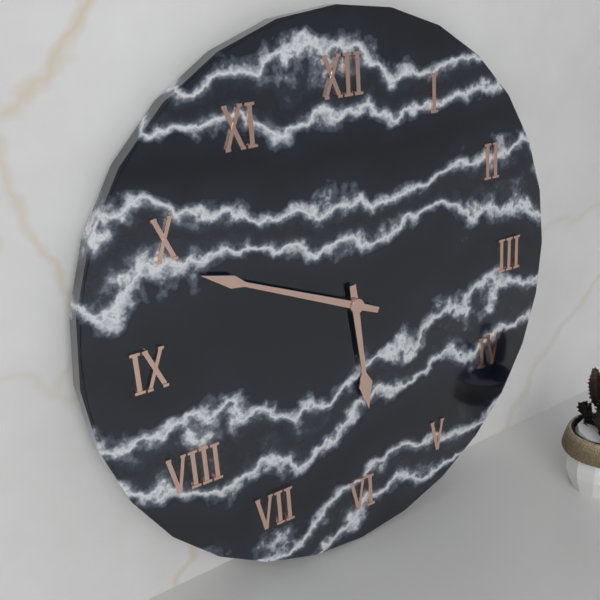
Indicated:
h=5 m=49
